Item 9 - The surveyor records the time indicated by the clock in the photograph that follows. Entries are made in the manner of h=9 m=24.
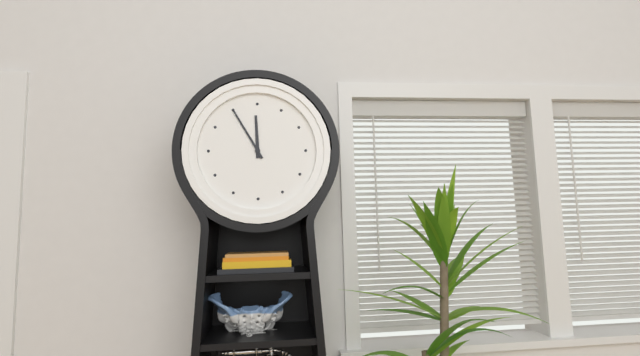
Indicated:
h=11 m=55
